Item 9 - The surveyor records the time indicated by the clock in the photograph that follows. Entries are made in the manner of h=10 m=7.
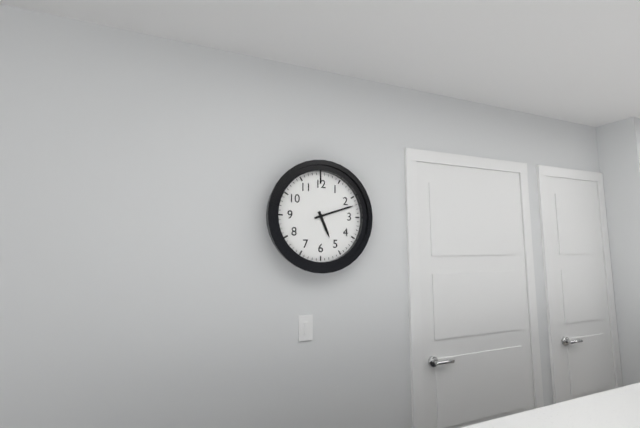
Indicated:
h=5 m=12
